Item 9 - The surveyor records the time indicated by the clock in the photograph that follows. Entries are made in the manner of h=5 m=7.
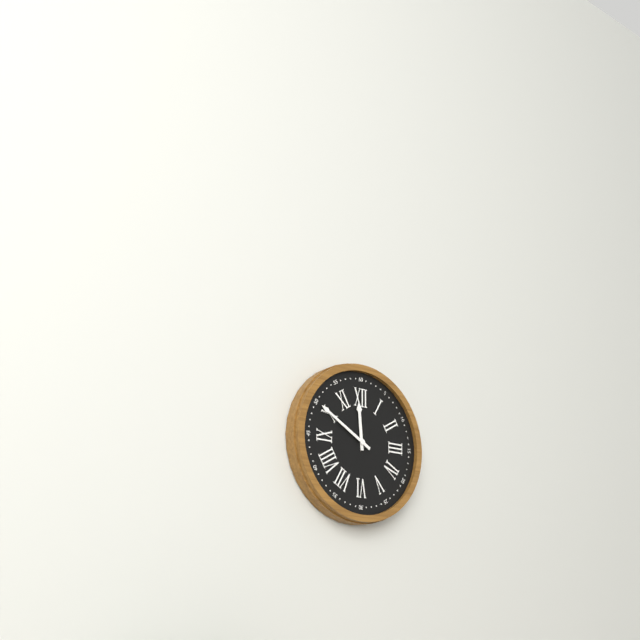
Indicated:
h=11 m=50
